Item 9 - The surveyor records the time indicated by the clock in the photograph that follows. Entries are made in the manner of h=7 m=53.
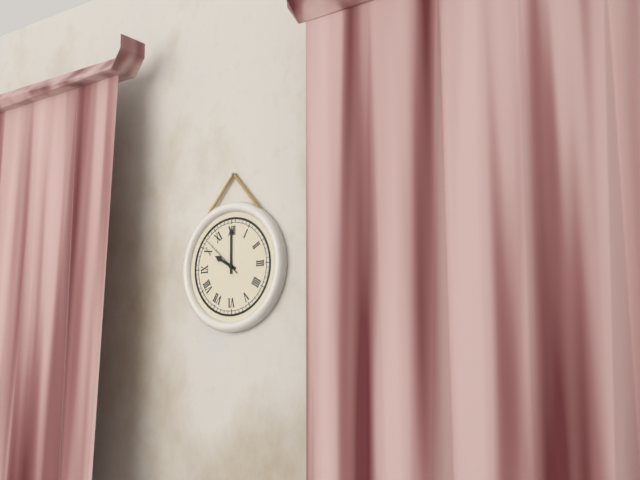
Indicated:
h=10 m=0
